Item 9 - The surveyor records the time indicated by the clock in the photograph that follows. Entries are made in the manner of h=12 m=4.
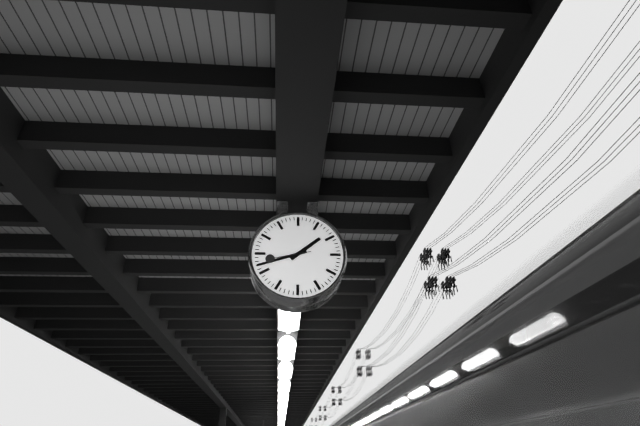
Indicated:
h=1 m=42
